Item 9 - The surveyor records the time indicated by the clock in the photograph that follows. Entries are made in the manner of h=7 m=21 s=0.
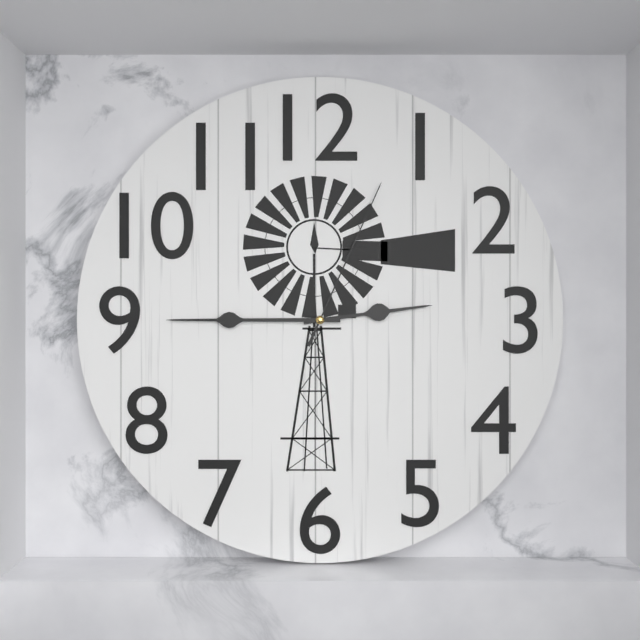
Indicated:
h=2 m=45 s=4
